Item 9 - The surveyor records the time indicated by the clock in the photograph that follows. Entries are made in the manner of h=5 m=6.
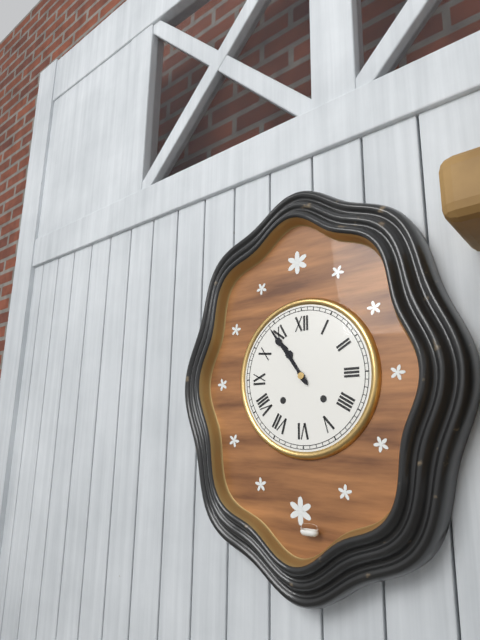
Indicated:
h=10 m=54
